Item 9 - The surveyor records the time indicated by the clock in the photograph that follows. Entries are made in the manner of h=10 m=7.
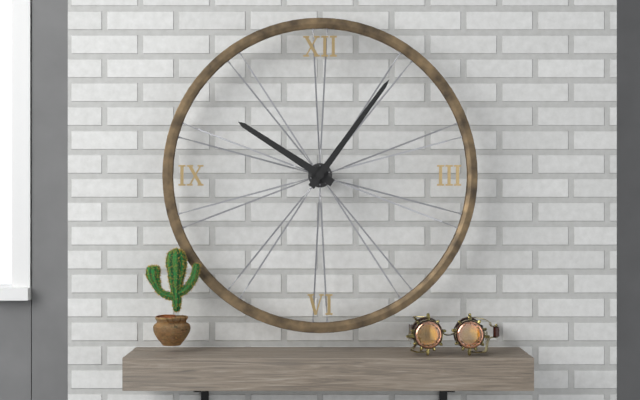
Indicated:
h=10 m=6
